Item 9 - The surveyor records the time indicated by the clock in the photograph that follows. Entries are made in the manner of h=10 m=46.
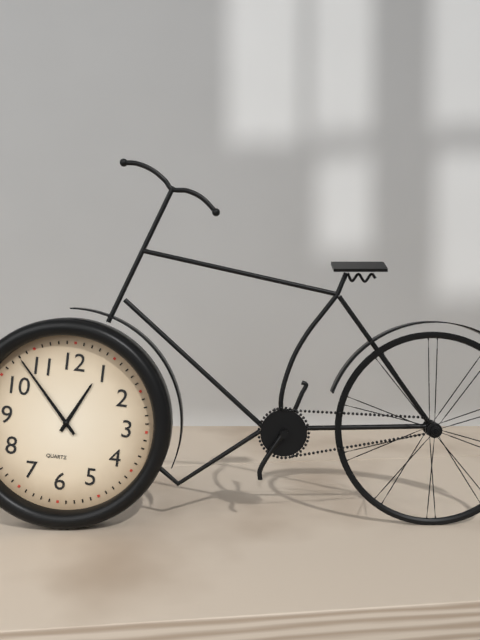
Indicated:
h=12 m=53
